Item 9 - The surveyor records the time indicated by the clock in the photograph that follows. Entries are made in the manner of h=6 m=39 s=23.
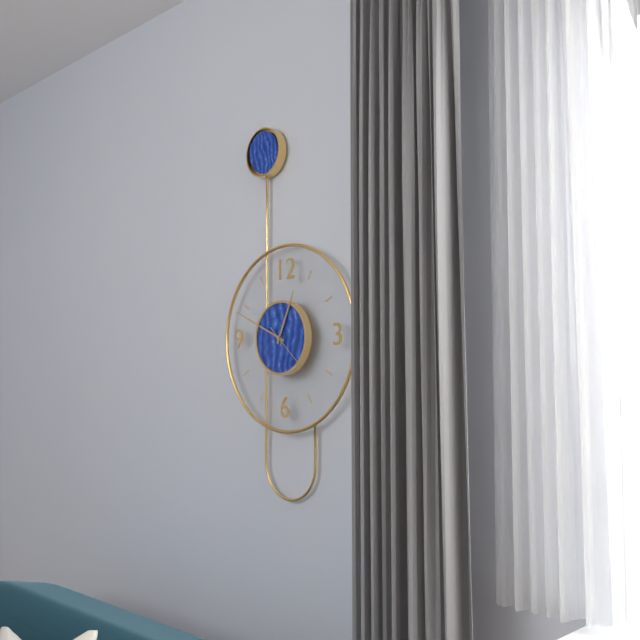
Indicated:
h=12 m=49 s=22
